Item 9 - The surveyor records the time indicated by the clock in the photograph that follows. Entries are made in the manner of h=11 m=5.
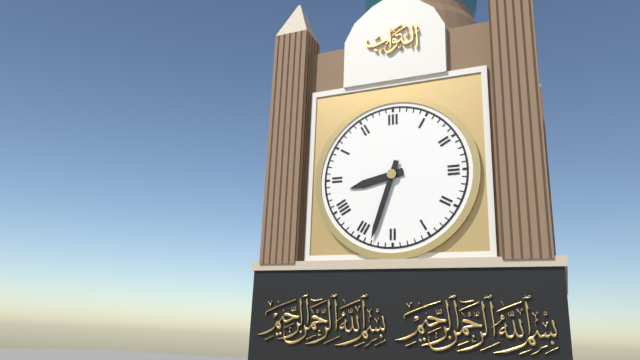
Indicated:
h=8 m=33
